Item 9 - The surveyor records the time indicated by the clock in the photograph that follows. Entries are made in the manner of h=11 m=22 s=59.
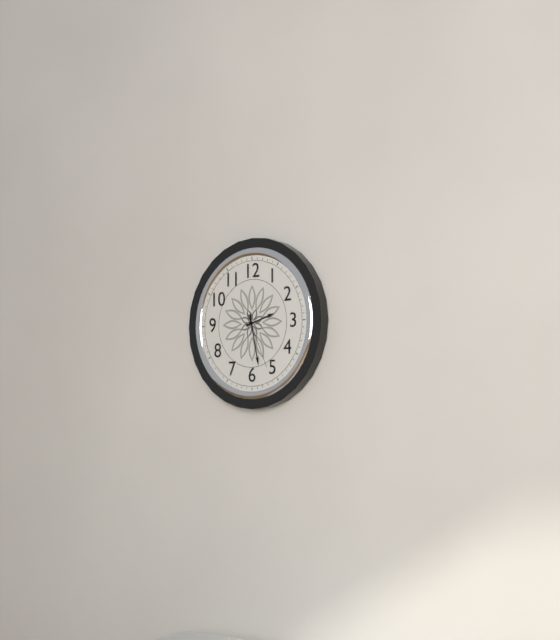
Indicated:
h=2 m=28 s=26
